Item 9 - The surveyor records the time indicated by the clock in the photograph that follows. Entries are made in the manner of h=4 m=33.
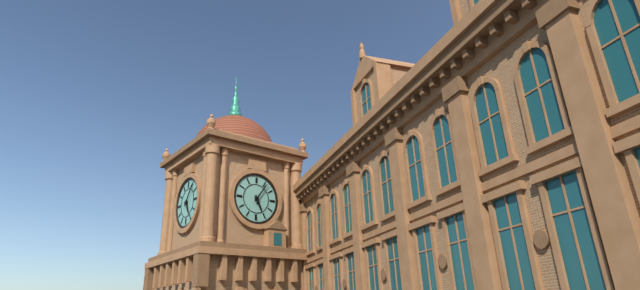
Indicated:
h=5 m=6
